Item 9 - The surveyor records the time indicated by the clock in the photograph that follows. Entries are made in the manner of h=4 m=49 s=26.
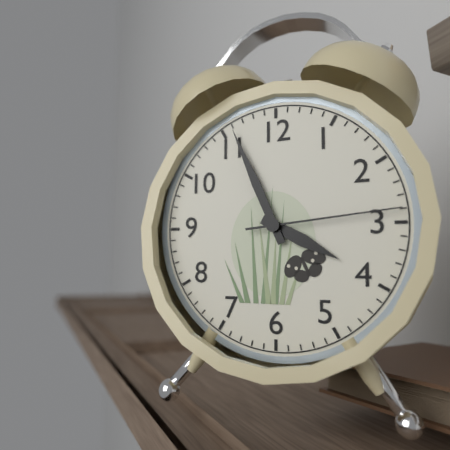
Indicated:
h=3 m=56 s=14
